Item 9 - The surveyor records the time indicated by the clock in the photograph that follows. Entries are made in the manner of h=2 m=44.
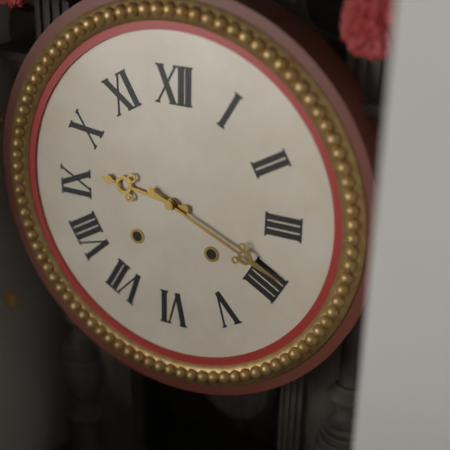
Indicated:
h=9 m=19
